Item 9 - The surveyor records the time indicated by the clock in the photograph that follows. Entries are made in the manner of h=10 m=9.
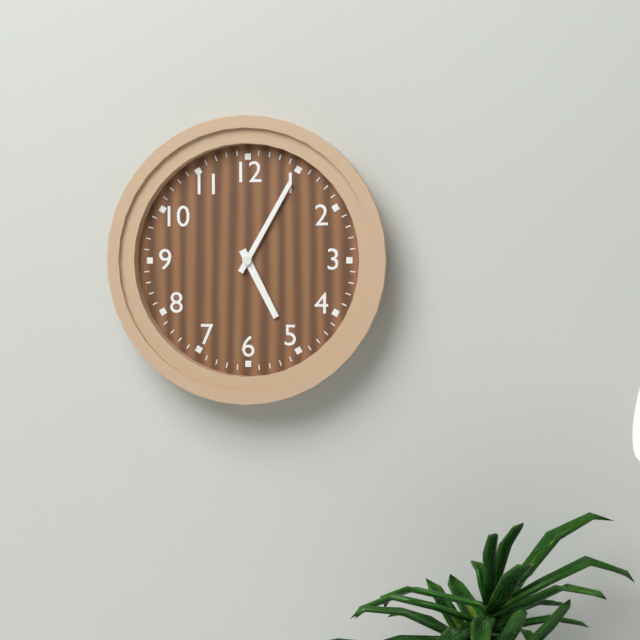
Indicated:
h=5 m=5
